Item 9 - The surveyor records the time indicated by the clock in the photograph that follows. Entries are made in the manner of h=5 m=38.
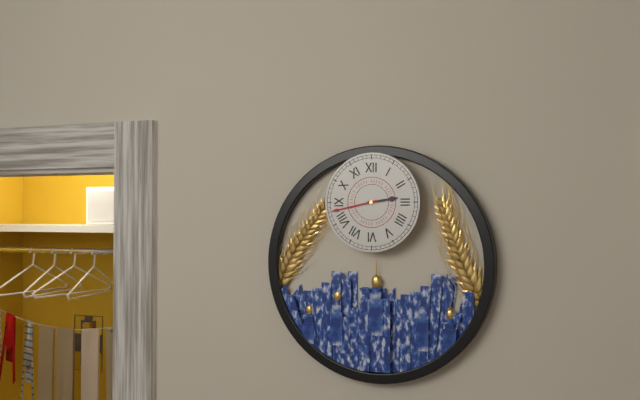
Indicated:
h=2 m=43
